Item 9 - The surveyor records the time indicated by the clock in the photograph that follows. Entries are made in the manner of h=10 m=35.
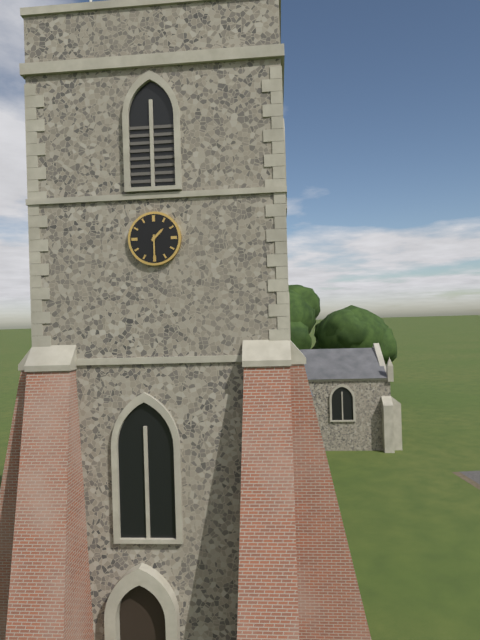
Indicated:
h=1 m=30
